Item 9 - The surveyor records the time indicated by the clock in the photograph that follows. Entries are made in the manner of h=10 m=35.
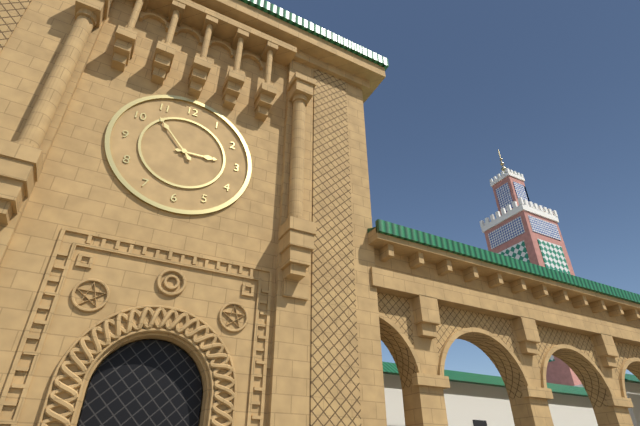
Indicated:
h=2 m=53
